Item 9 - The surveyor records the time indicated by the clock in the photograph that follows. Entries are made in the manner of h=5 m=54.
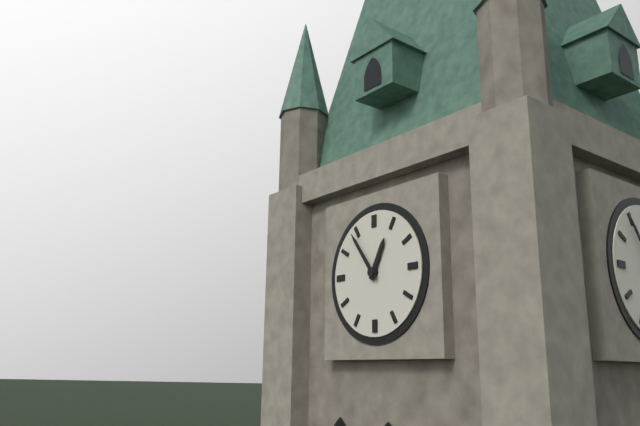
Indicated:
h=12 m=54
